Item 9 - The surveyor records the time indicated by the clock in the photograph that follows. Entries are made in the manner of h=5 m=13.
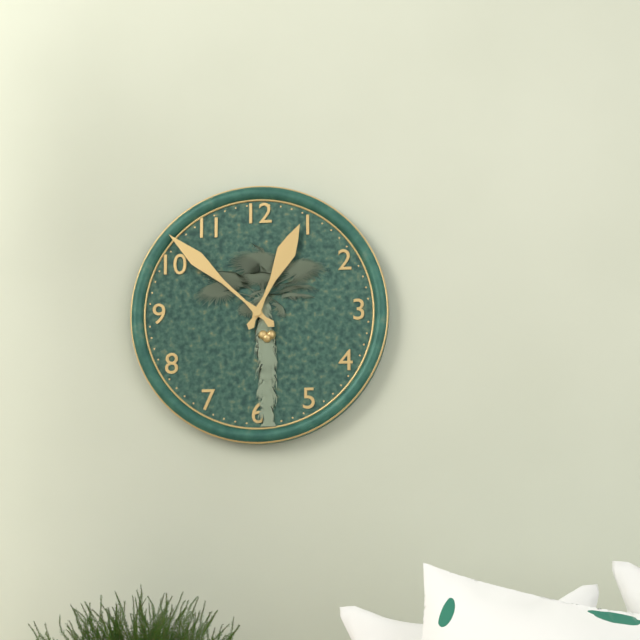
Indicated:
h=12 m=52
